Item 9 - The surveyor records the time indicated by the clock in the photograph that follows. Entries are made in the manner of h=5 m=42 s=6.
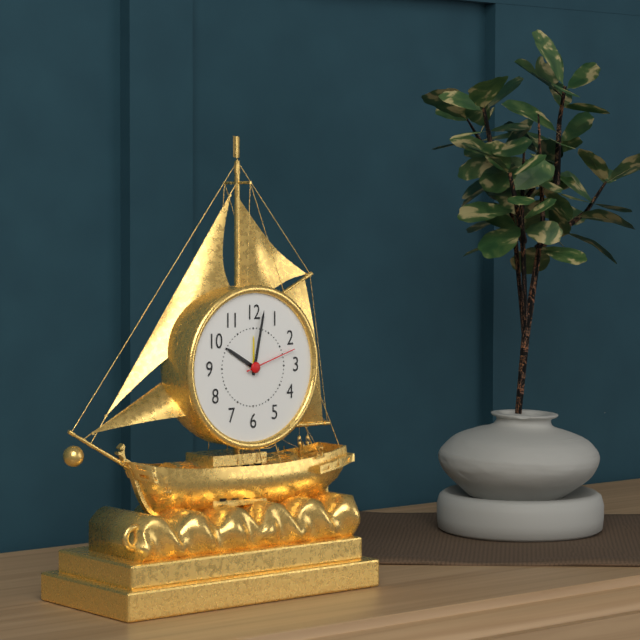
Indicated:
h=10 m=2 s=12
